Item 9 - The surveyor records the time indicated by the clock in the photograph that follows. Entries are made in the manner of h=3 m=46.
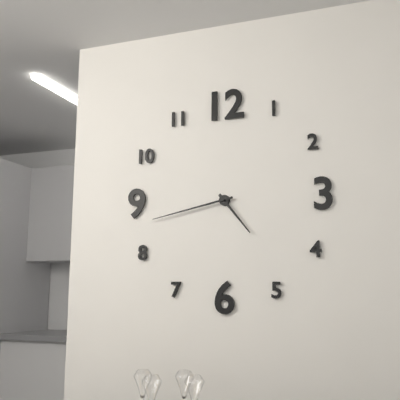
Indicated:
h=4 m=43
